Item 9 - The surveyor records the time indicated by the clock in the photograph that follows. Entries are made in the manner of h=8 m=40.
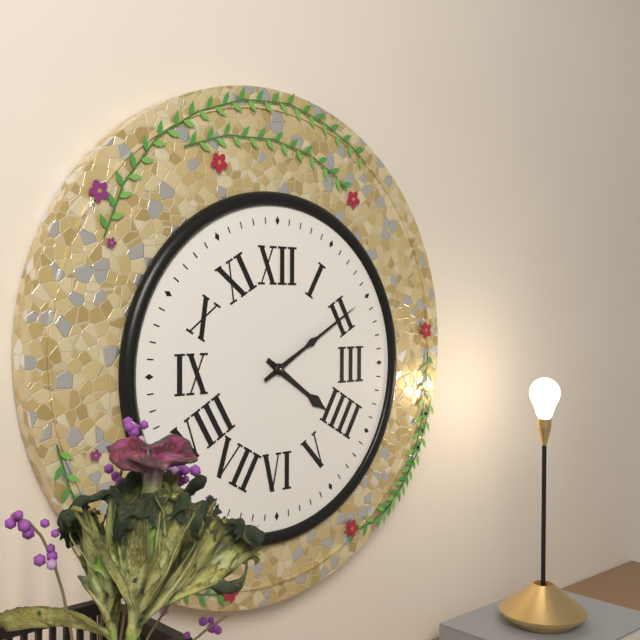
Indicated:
h=4 m=10
